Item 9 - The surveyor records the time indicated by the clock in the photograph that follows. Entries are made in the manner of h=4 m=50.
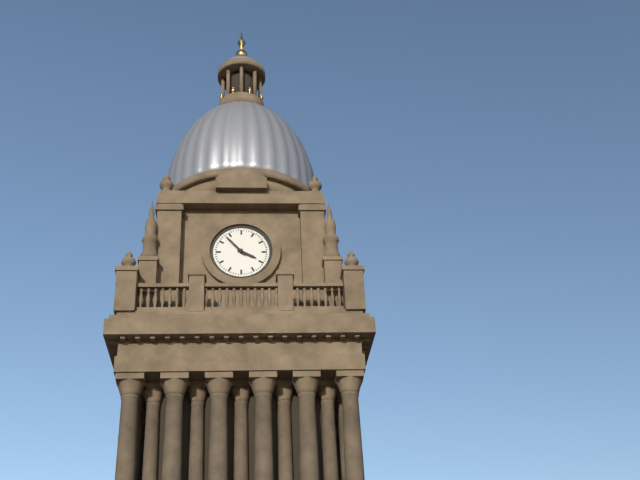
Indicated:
h=3 m=53
